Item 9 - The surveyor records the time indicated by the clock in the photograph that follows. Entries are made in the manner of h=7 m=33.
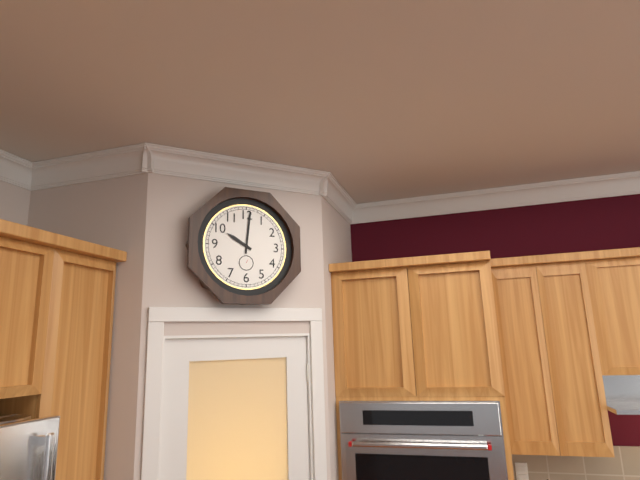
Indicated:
h=10 m=1
